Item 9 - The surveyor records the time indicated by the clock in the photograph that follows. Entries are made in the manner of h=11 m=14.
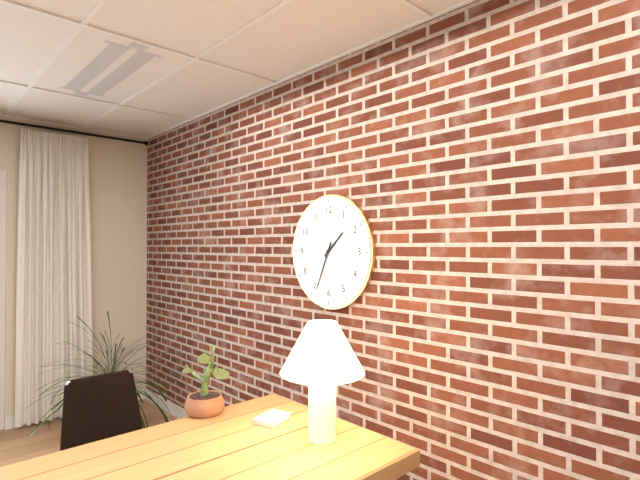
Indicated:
h=1 m=34
